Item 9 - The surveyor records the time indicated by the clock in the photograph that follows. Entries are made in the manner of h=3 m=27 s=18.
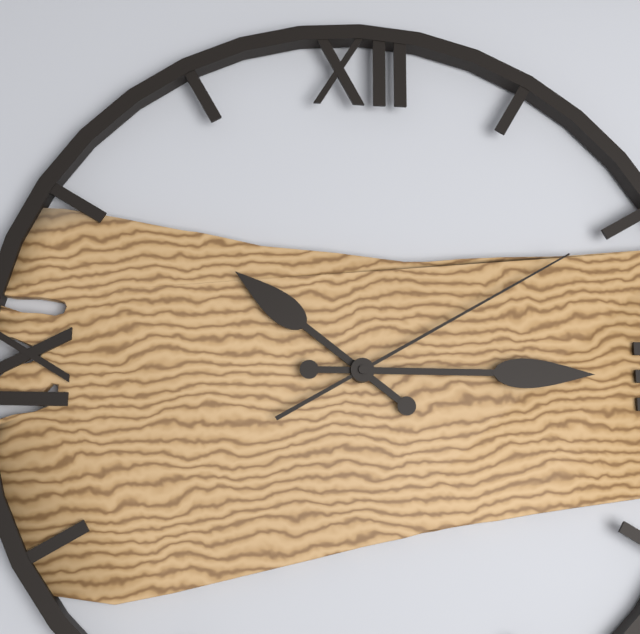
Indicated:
h=10 m=15 s=10
